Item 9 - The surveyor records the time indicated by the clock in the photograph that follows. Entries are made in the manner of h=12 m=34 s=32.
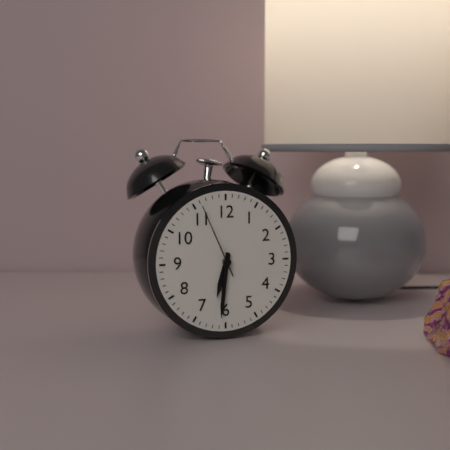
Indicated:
h=6 m=31 s=56
